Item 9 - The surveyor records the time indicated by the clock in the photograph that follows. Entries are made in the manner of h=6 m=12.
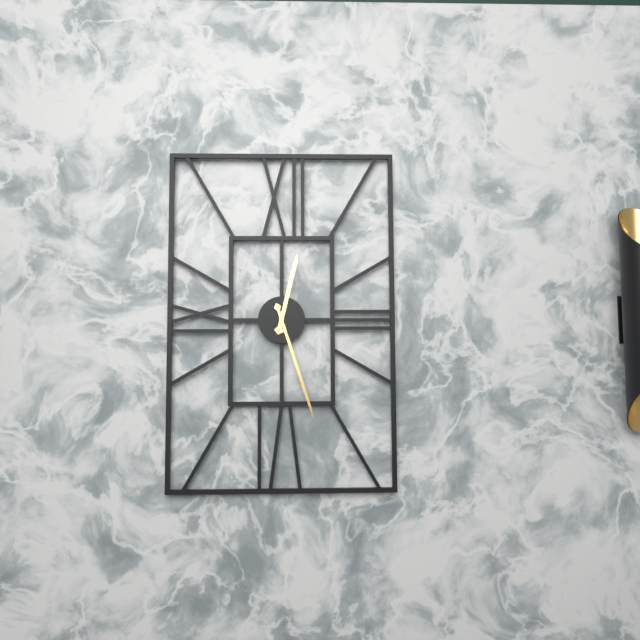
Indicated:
h=12 m=27
